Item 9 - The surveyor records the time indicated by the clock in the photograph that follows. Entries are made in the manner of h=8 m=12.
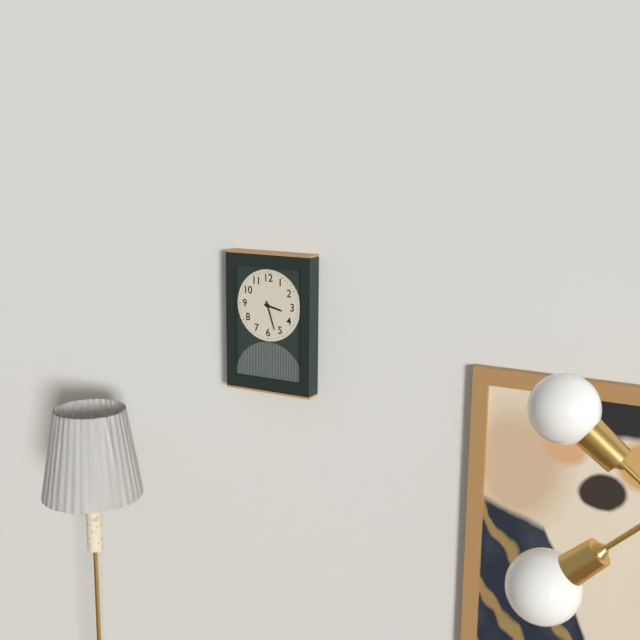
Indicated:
h=3 m=27
